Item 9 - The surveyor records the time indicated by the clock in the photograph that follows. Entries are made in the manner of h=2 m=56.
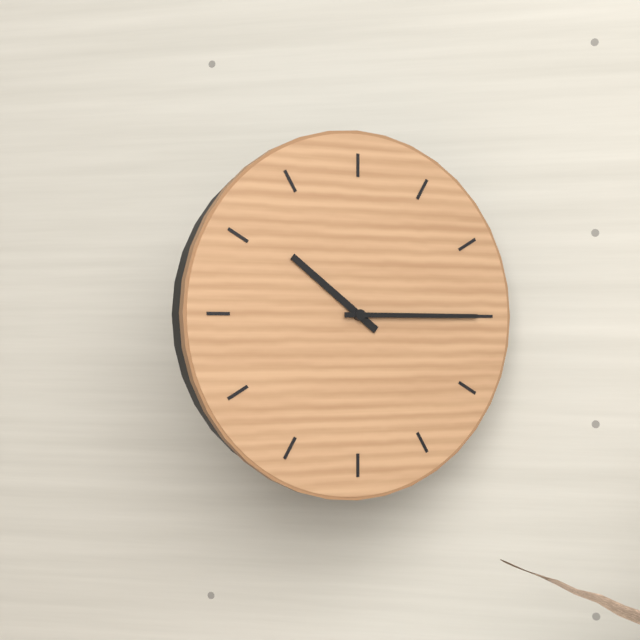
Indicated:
h=10 m=15
